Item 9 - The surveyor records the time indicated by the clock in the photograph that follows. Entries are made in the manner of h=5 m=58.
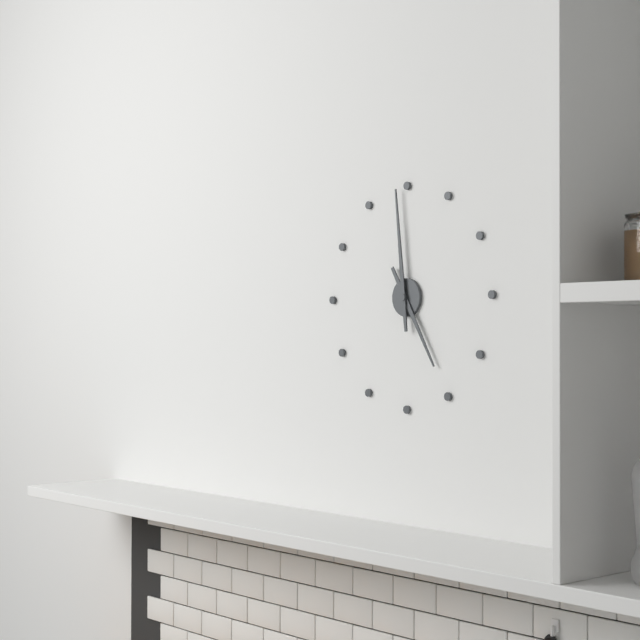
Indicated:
h=4 m=59
